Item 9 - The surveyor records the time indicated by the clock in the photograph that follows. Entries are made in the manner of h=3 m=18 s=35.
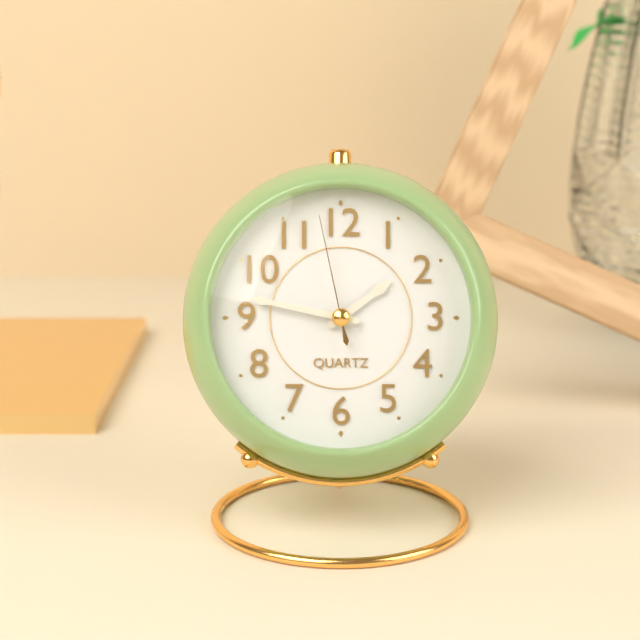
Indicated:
h=1 m=47 s=58
